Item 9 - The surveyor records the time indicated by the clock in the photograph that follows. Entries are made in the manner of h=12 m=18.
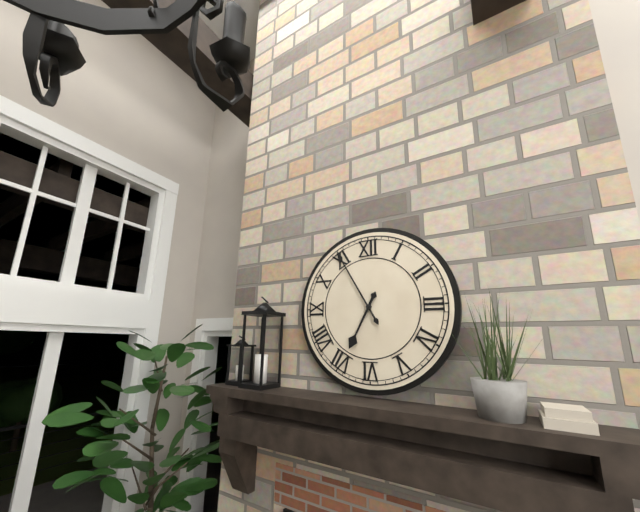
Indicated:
h=6 m=55
